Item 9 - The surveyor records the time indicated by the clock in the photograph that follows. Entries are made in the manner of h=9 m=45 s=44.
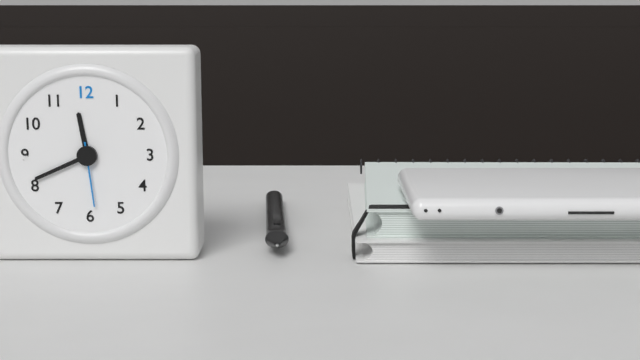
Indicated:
h=11 m=41 s=29
